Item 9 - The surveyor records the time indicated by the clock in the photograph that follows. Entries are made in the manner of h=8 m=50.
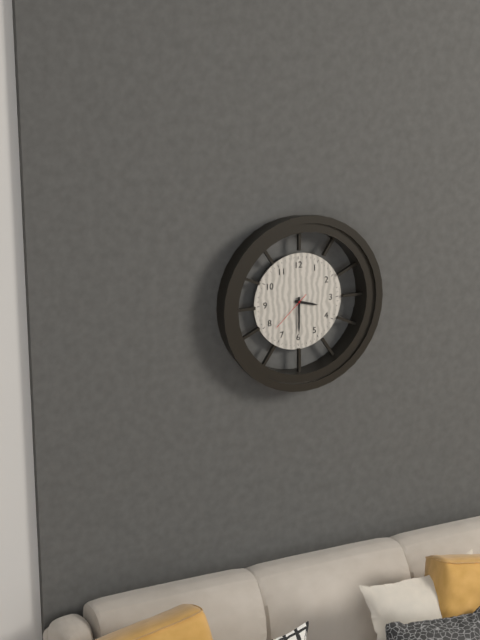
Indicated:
h=3 m=30
